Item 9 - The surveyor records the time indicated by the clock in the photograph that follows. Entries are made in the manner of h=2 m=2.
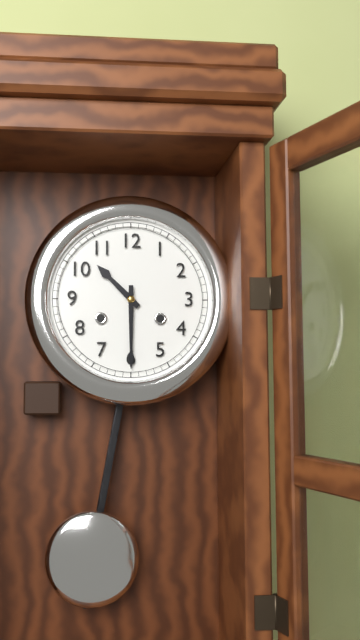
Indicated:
h=10 m=30
